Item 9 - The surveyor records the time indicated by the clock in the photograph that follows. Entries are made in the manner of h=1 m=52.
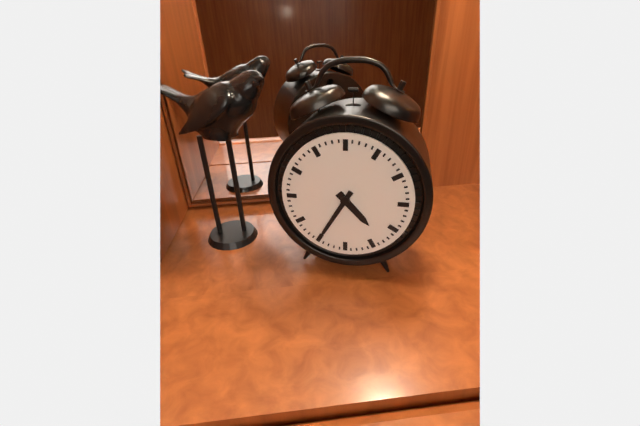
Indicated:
h=4 m=35
